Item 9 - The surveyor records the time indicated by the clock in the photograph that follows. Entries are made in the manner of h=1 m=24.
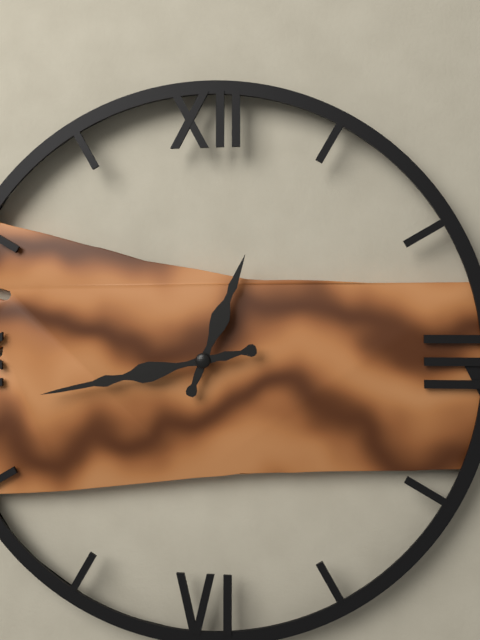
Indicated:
h=12 m=43
